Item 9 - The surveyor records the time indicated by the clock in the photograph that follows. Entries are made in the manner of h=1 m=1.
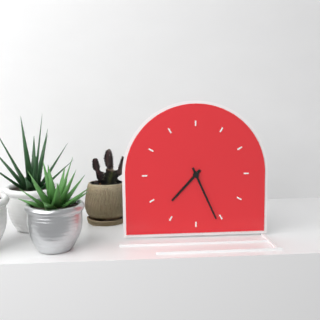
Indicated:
h=7 m=26
